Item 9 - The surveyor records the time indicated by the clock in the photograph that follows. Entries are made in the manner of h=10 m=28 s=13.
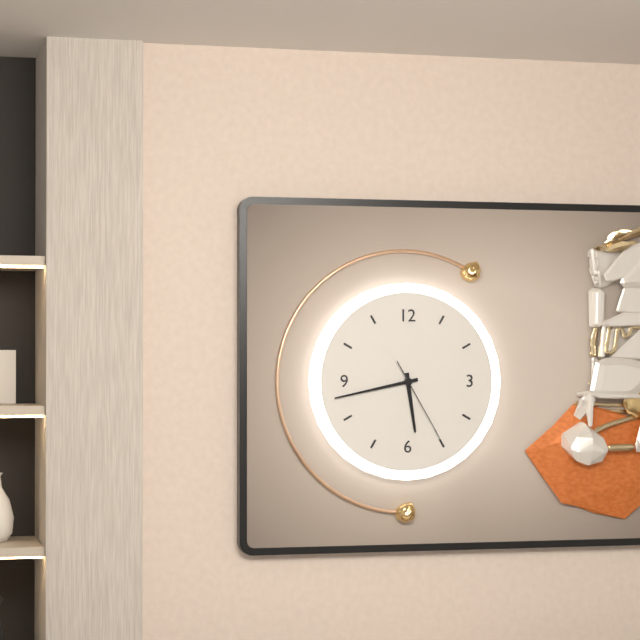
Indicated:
h=5 m=43 s=25
